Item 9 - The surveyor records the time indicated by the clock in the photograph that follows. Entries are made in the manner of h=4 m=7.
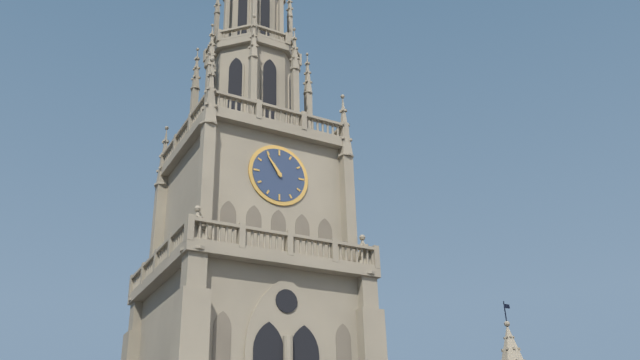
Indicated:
h=10 m=54
